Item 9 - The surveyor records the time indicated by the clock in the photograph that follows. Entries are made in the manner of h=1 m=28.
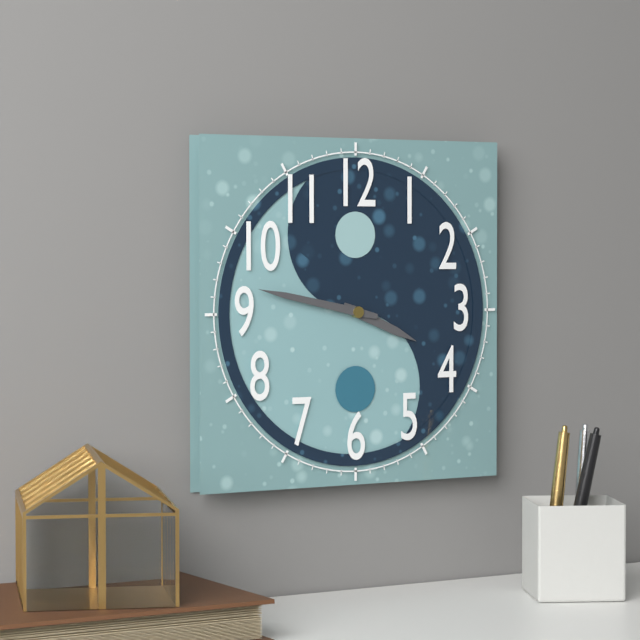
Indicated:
h=3 m=47
